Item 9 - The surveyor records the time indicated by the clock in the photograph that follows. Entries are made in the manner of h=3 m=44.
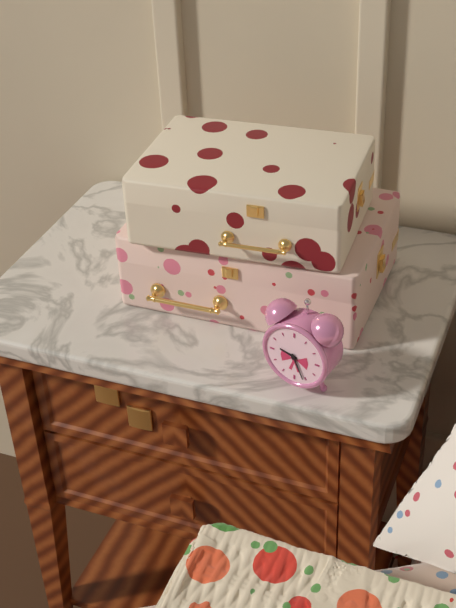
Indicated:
h=9 m=26
